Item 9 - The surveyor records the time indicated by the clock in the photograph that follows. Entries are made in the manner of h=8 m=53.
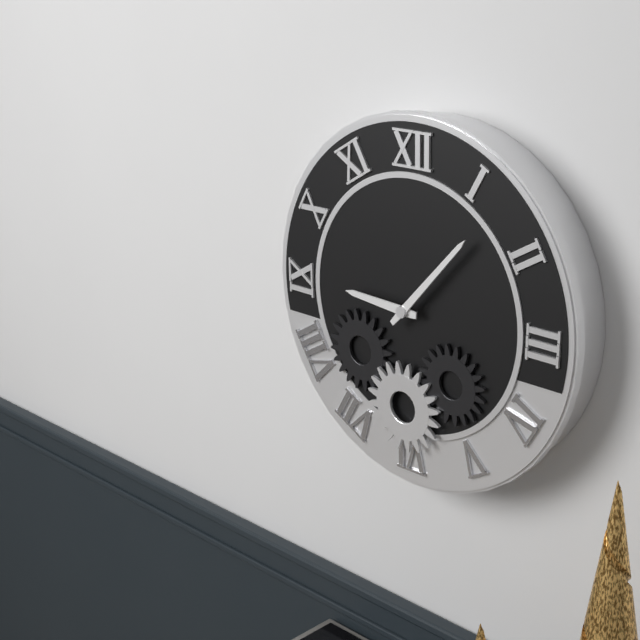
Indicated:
h=9 m=7
